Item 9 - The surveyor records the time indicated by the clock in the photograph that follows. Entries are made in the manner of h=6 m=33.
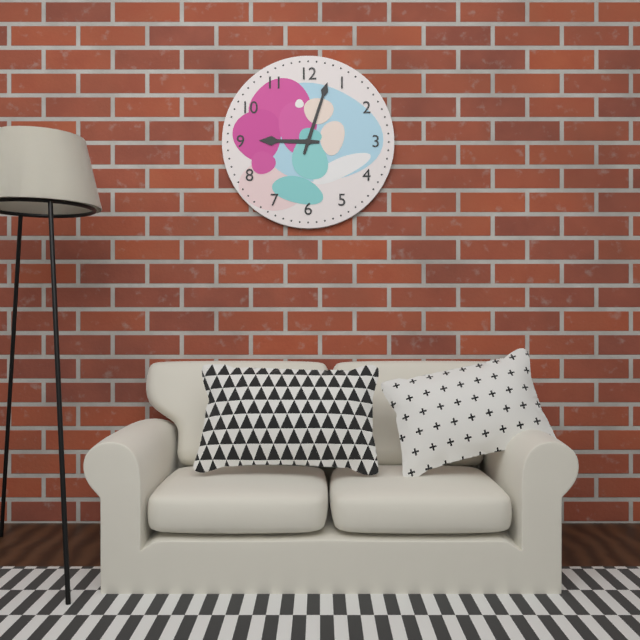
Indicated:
h=9 m=3
